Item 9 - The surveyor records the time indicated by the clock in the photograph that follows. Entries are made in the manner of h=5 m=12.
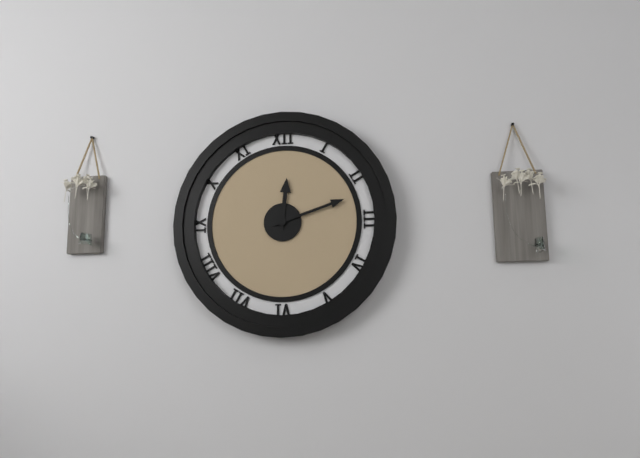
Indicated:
h=12 m=12
